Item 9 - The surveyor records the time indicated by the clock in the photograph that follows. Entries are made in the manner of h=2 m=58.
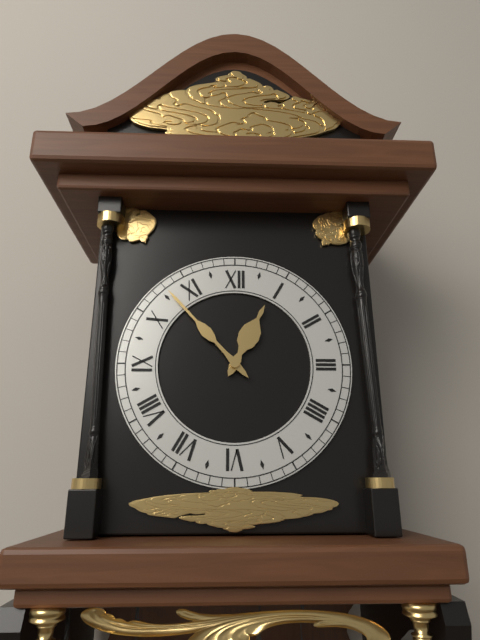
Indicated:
h=12 m=53
